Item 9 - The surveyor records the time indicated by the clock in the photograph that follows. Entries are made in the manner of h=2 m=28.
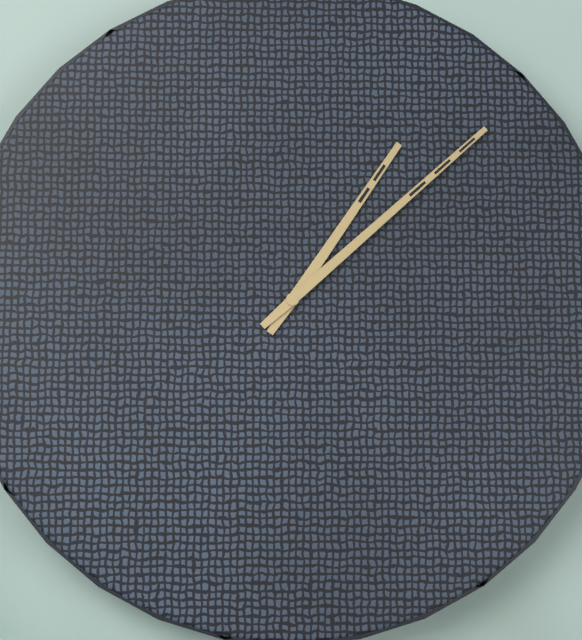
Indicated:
h=1 m=8
